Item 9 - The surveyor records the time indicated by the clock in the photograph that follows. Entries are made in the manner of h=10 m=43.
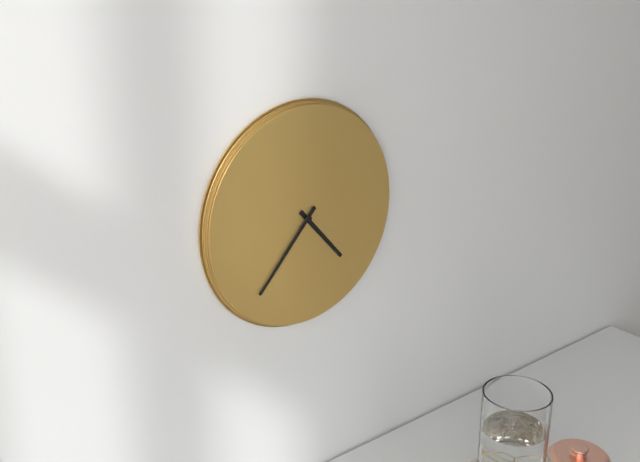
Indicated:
h=4 m=37
